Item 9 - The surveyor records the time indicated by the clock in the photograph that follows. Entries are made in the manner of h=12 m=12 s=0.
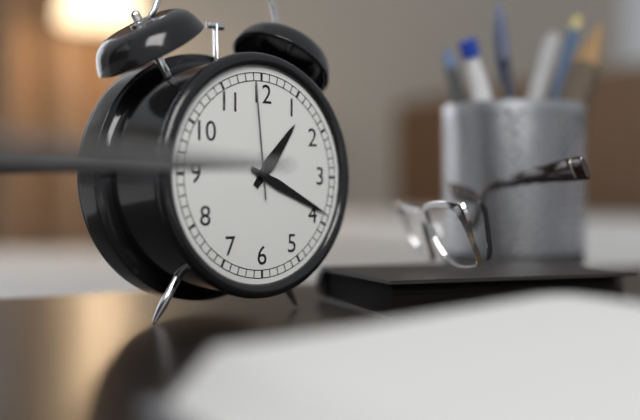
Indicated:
h=1 m=19 s=59
